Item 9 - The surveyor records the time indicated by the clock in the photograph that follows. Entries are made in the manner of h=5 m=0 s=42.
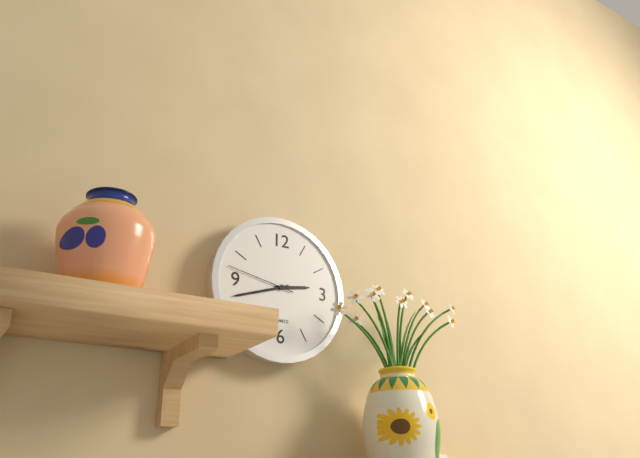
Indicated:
h=2 m=42 s=47
